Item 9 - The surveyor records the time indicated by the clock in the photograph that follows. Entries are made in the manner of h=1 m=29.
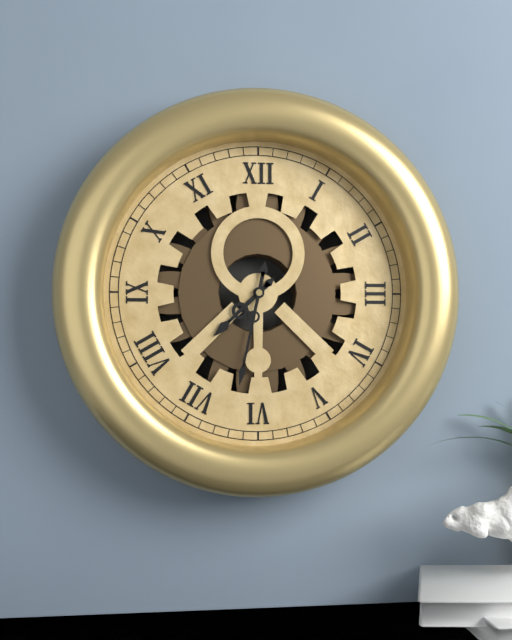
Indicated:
h=7 m=32
